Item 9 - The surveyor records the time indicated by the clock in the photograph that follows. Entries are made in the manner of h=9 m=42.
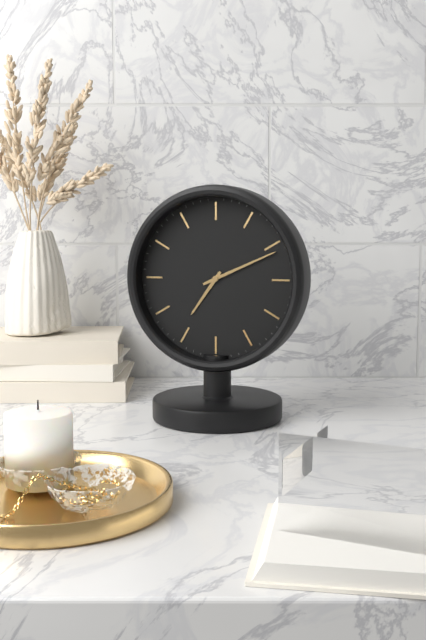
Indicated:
h=7 m=11
